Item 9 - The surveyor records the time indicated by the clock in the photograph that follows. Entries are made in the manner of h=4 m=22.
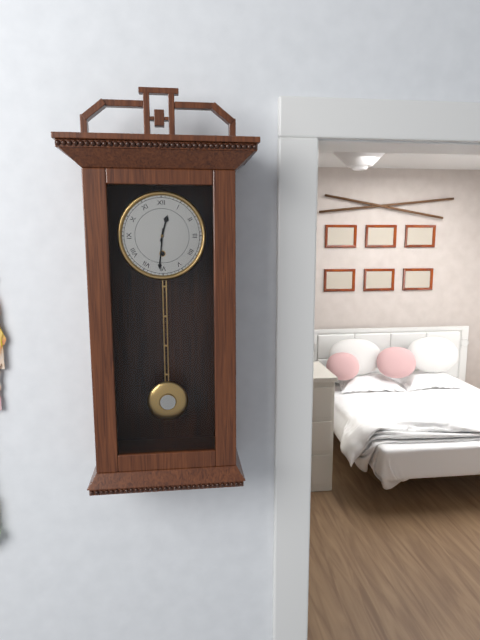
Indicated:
h=12 m=31
